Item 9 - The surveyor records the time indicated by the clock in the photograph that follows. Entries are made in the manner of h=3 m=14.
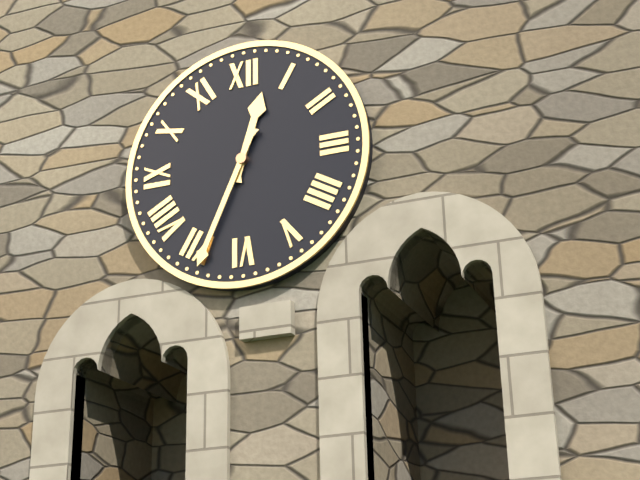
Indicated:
h=12 m=34
